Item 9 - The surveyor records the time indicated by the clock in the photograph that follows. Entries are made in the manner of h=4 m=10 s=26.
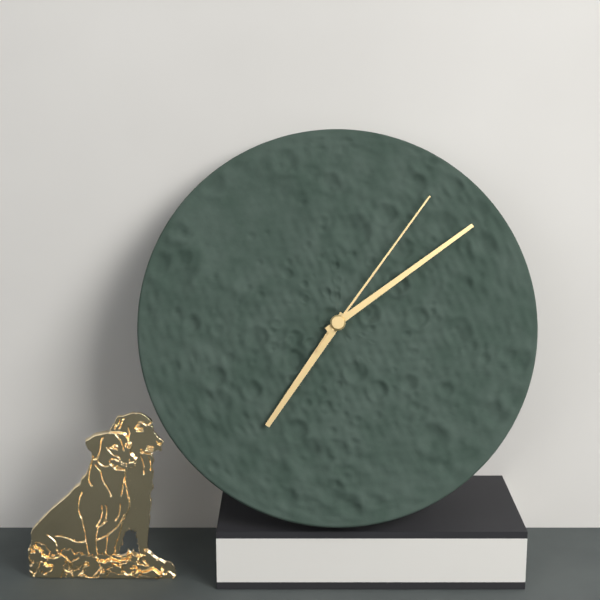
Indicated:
h=7 m=9 s=6
